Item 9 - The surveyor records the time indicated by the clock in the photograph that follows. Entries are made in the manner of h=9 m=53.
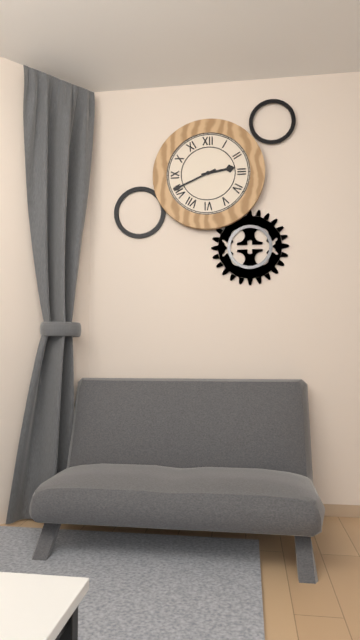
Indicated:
h=2 m=41
